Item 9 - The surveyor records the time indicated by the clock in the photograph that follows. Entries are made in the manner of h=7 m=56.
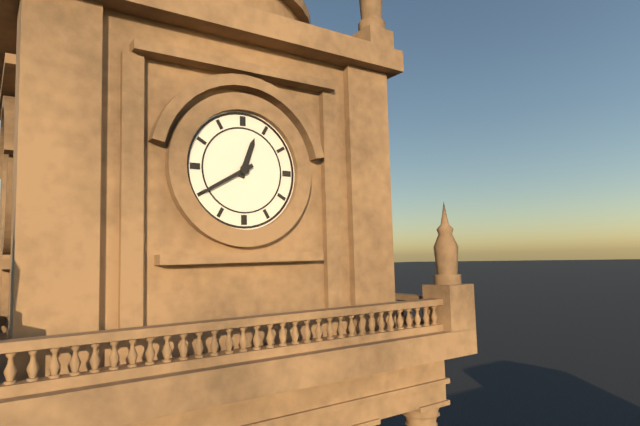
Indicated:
h=12 m=40
